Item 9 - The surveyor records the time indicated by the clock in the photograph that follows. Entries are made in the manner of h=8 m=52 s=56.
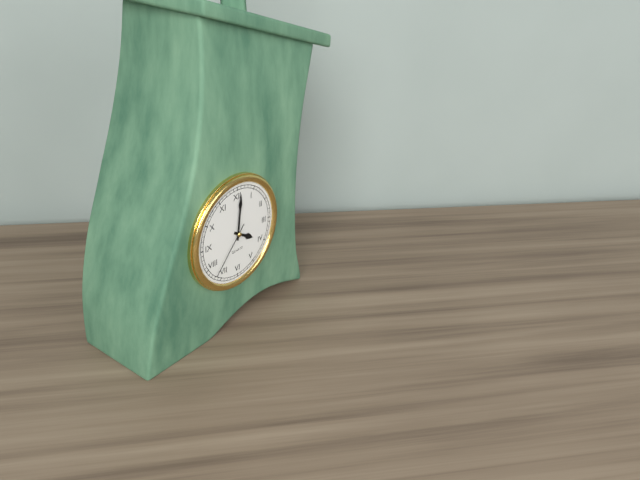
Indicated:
h=4 m=1 s=37
